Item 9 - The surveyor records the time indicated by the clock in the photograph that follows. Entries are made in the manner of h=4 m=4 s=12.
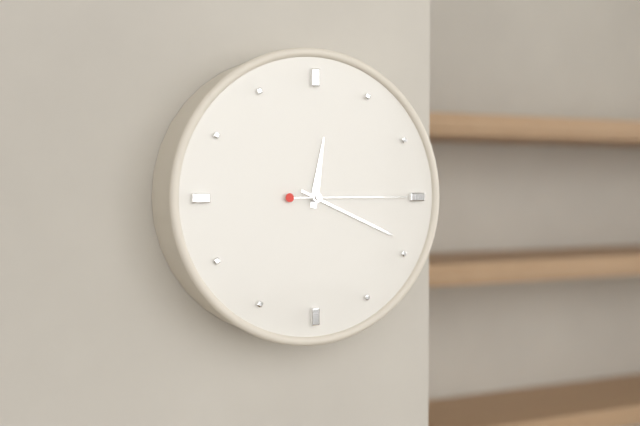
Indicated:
h=12 m=19 s=15
